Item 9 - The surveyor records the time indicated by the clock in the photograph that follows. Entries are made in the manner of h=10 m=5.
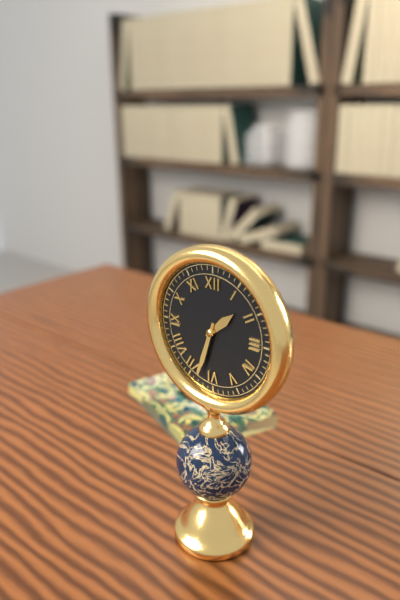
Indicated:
h=1 m=33
